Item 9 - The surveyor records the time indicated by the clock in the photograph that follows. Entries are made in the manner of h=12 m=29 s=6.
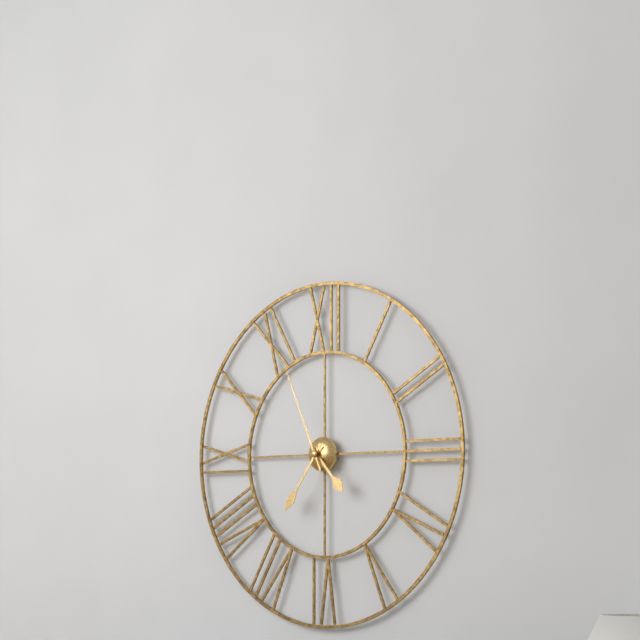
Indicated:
h=4 m=36 s=56
